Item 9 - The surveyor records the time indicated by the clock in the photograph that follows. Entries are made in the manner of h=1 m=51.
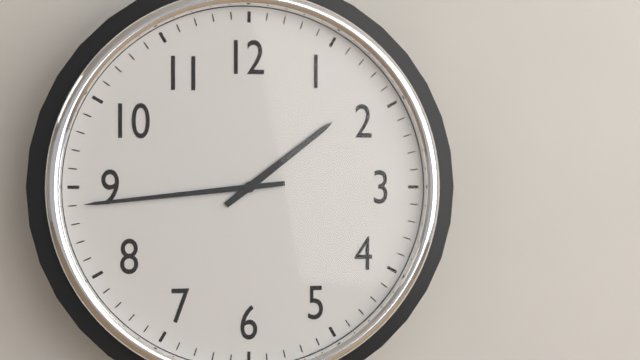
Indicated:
h=1 m=44
